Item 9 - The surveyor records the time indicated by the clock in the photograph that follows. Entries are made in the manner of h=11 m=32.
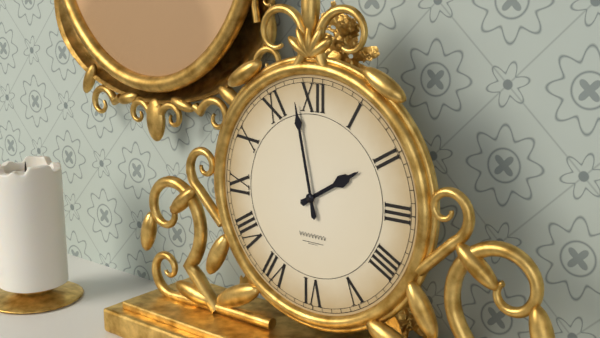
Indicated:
h=1 m=58
